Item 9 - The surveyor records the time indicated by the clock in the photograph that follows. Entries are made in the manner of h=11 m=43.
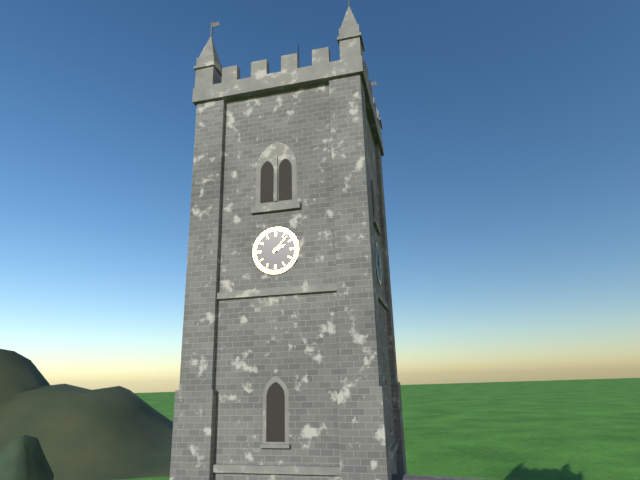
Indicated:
h=2 m=7
